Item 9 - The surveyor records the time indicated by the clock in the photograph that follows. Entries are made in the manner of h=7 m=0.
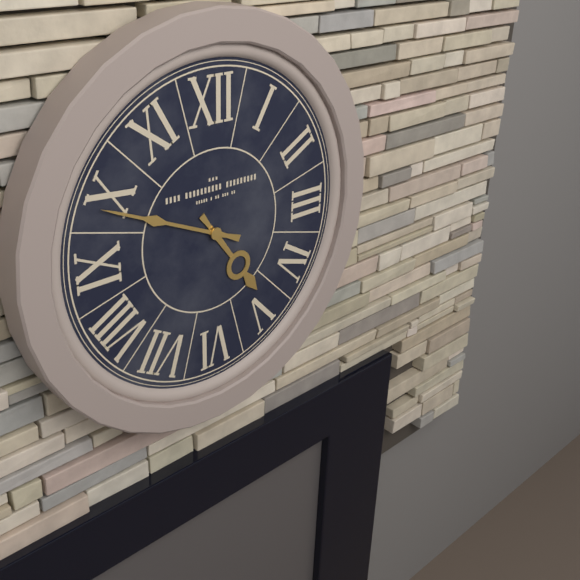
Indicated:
h=4 m=49
